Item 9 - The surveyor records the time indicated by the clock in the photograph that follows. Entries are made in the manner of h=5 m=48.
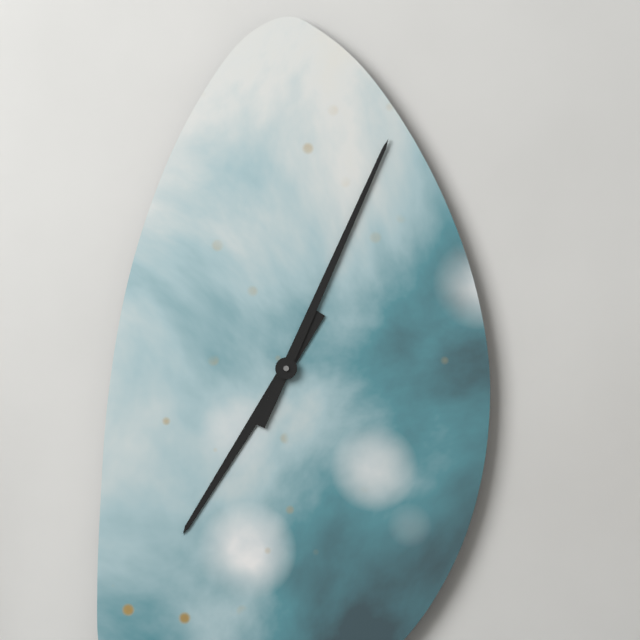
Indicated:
h=7 m=4
